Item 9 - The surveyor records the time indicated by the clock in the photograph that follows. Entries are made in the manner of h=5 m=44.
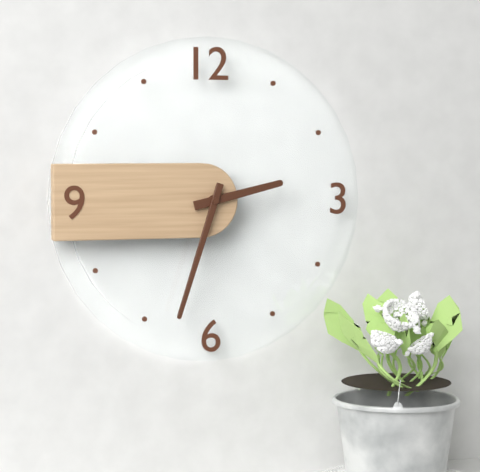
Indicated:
h=2 m=33
